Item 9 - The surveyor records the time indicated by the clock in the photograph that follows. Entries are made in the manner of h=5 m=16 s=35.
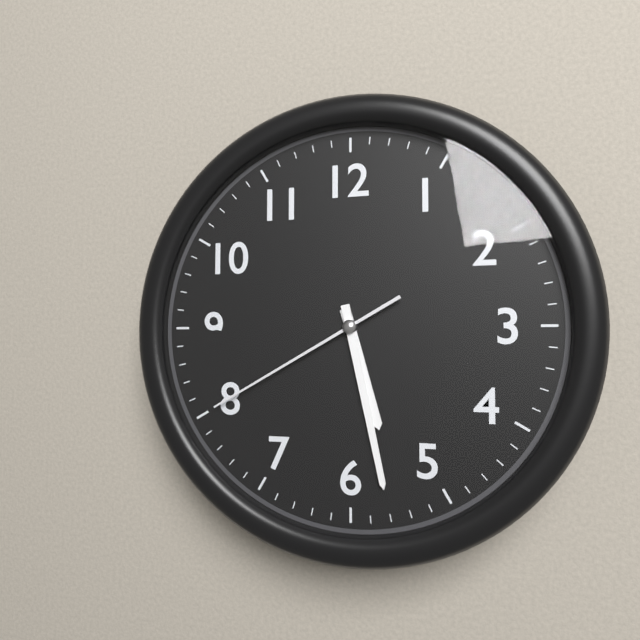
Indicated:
h=5 m=28 s=40
